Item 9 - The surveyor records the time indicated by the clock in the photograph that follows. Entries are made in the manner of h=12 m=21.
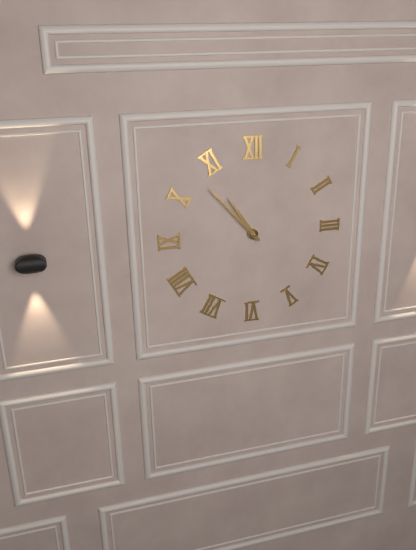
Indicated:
h=10 m=53
